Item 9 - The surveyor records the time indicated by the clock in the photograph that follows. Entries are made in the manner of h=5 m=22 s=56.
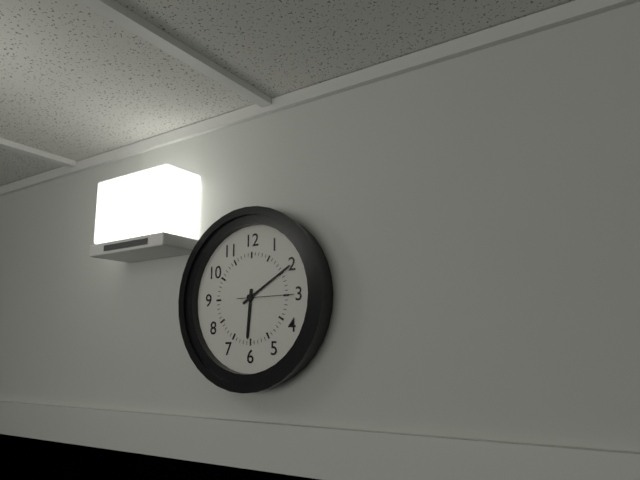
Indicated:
h=6 m=10 s=15
